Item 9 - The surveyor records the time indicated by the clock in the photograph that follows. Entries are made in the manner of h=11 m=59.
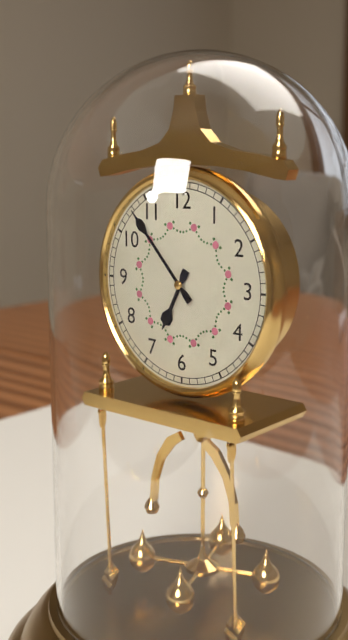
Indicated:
h=6 m=53
